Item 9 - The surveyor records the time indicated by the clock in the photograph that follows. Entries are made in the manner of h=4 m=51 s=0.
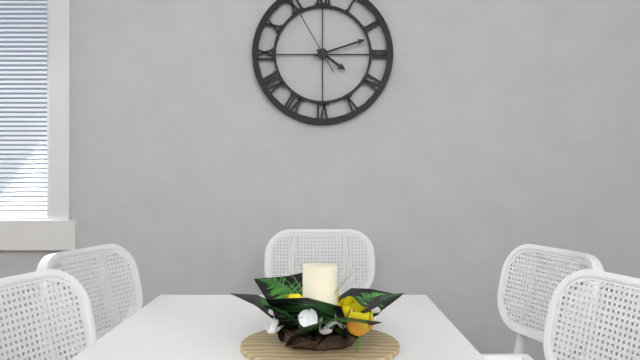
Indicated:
h=4 m=12 s=55
